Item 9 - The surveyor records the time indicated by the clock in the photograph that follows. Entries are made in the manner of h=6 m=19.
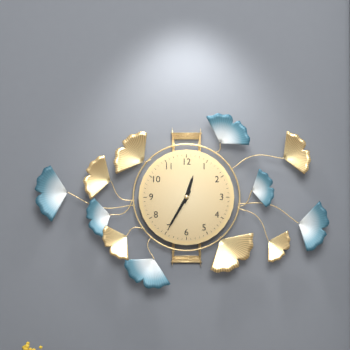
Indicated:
h=12 m=35
